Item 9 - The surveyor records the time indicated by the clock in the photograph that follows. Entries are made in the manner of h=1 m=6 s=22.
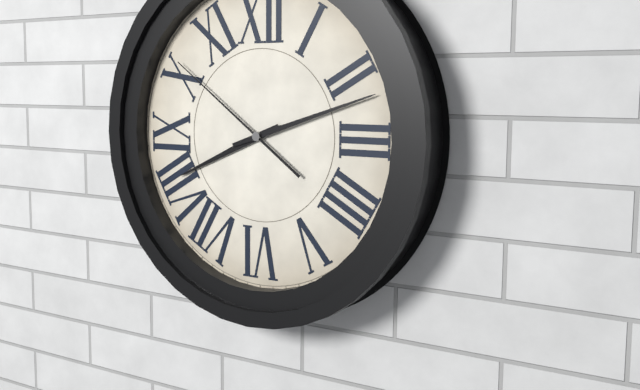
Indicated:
h=8 m=12 s=51
